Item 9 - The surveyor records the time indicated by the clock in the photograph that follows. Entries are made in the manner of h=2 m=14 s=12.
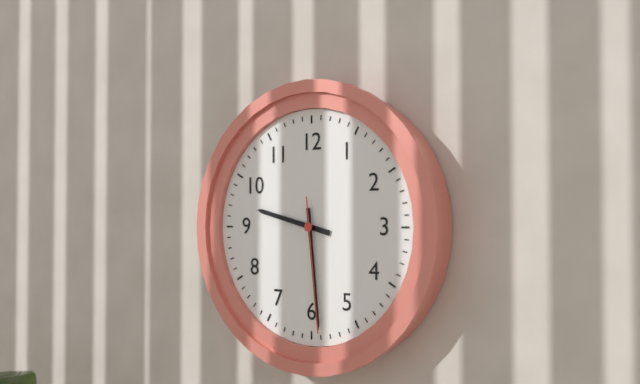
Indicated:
h=9 m=29 s=29
